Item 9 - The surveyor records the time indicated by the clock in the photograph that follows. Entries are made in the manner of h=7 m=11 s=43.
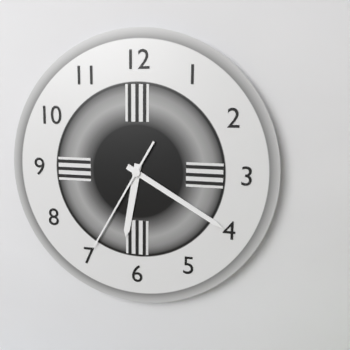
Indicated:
h=6 m=20 s=35
